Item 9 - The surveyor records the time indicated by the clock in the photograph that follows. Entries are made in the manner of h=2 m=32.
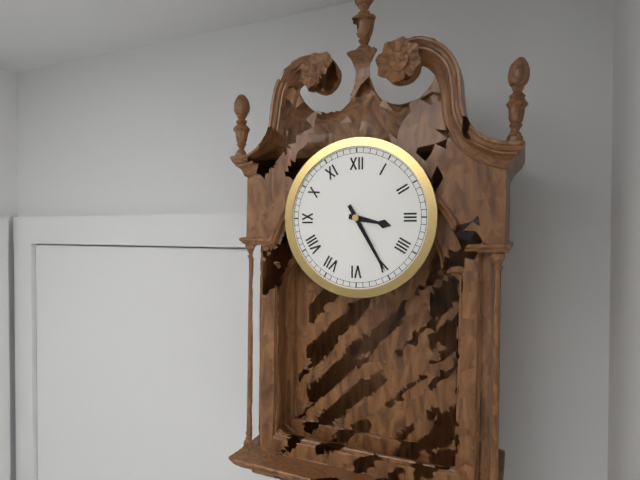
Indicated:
h=3 m=25
